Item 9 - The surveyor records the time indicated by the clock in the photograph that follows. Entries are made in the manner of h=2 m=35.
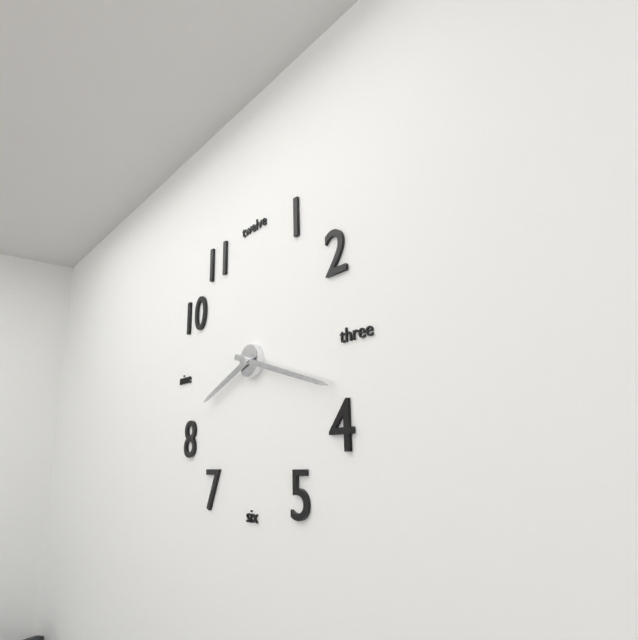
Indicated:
h=8 m=18
